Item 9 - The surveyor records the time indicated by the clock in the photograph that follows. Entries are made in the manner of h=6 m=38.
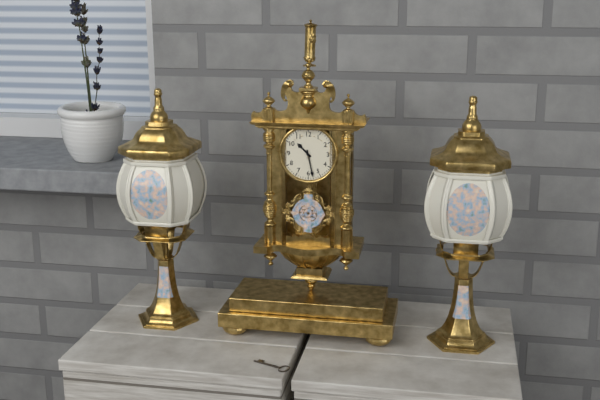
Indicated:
h=10 m=28
